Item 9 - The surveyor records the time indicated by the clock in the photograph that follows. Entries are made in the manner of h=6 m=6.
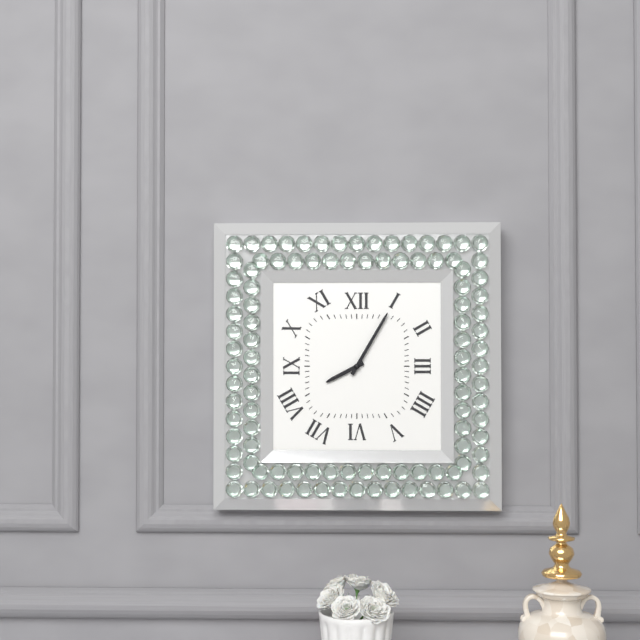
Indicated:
h=8 m=5
